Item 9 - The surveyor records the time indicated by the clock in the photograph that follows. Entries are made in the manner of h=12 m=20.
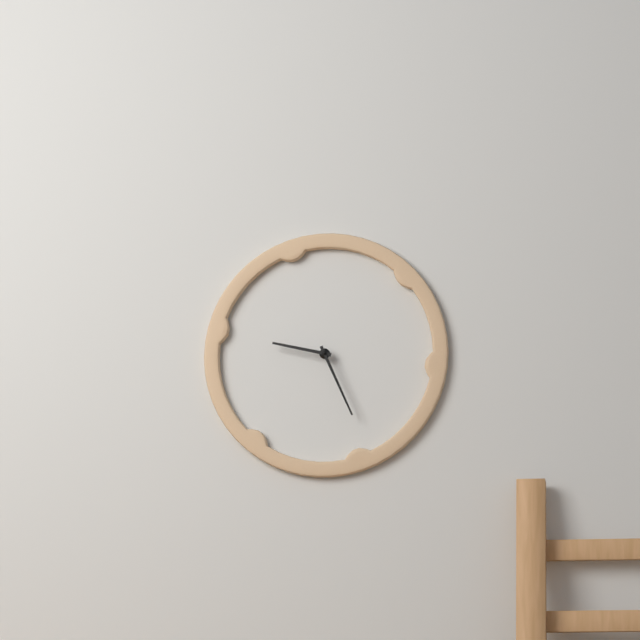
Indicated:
h=9 m=26
